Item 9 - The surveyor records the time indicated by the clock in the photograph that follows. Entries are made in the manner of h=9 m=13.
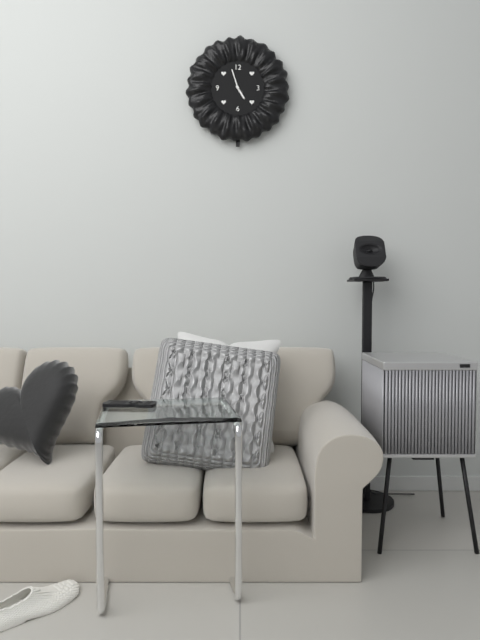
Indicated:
h=4 m=57
